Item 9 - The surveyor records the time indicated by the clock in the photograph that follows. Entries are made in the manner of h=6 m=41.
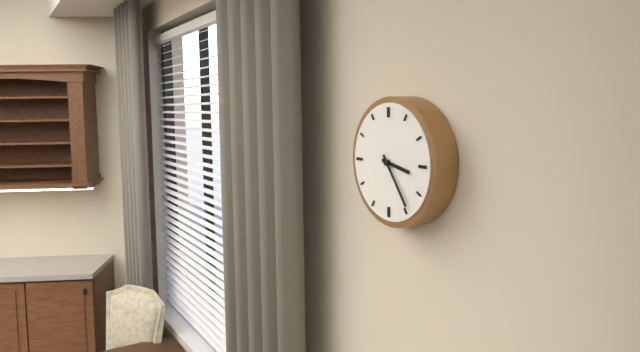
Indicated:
h=3 m=24
